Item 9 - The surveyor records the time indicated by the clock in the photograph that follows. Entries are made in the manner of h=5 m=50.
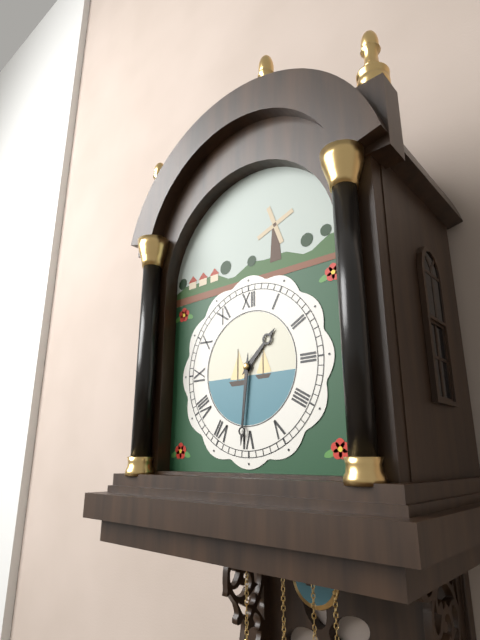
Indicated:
h=1 m=31
